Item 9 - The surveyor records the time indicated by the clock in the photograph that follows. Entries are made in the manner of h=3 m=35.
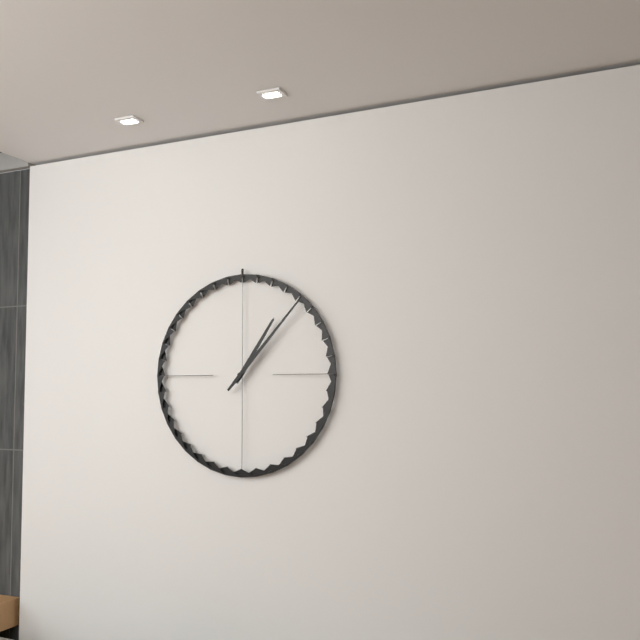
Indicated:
h=1 m=7
